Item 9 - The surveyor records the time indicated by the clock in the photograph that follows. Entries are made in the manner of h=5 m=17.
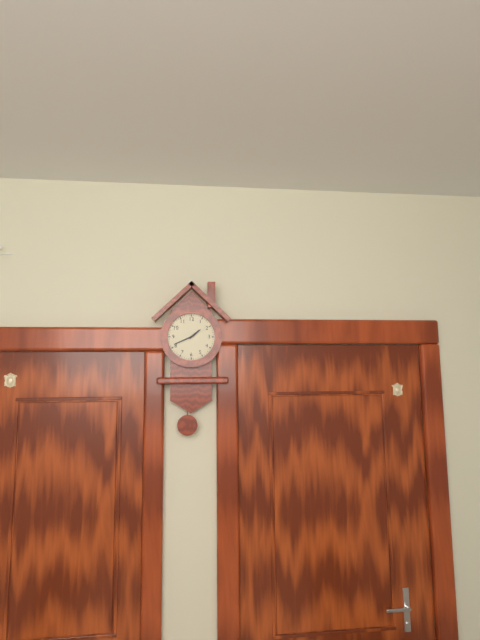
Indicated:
h=1 m=41
